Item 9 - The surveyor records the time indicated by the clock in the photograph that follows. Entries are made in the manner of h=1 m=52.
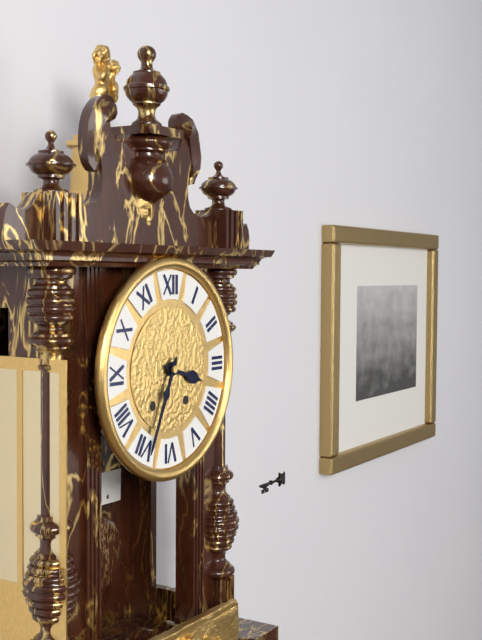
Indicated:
h=3 m=34
